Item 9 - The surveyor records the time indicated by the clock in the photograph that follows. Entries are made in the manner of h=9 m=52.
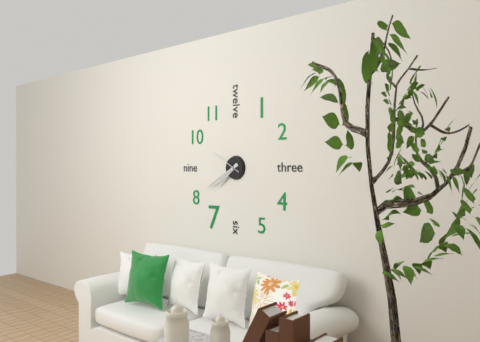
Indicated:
h=7 m=40
